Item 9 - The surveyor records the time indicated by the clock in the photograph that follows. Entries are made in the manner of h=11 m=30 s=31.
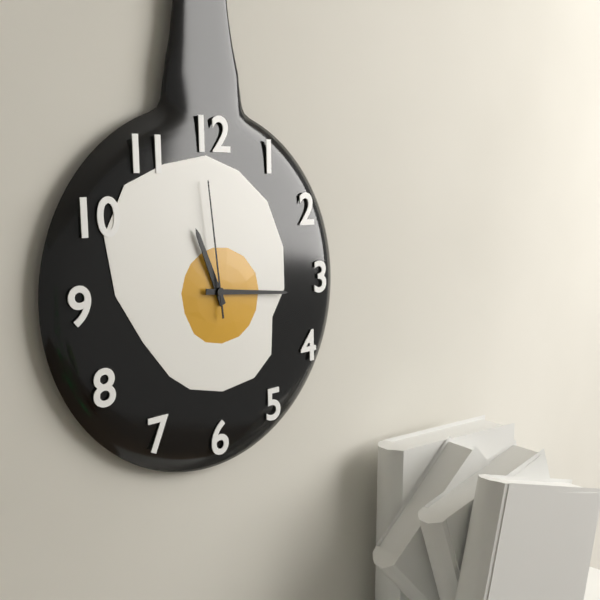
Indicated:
h=11 m=16 s=59
